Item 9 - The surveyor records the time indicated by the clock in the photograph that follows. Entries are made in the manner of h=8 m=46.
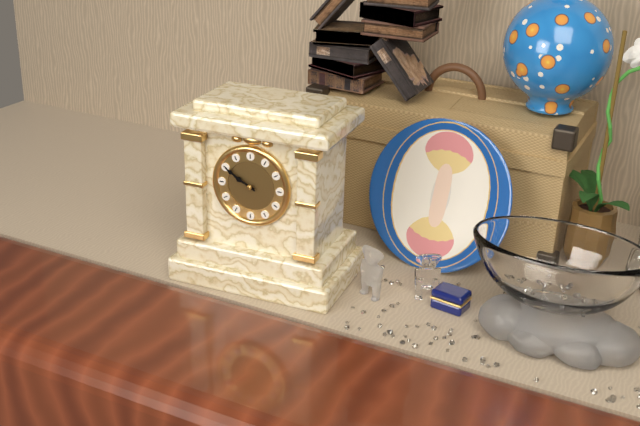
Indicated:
h=9 m=50
